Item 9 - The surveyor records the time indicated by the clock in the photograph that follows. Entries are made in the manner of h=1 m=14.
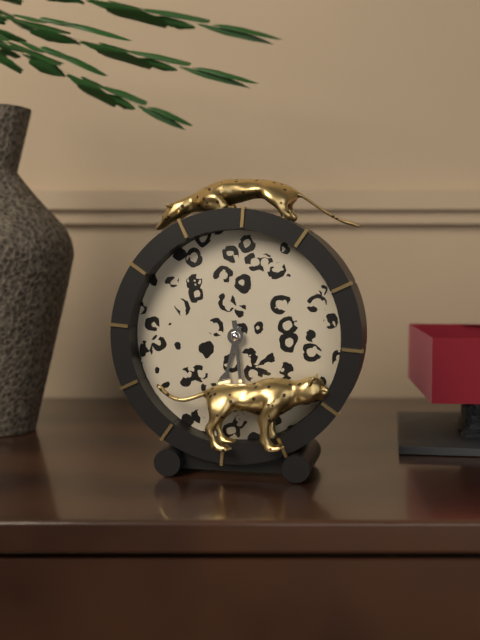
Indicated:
h=6 m=29
